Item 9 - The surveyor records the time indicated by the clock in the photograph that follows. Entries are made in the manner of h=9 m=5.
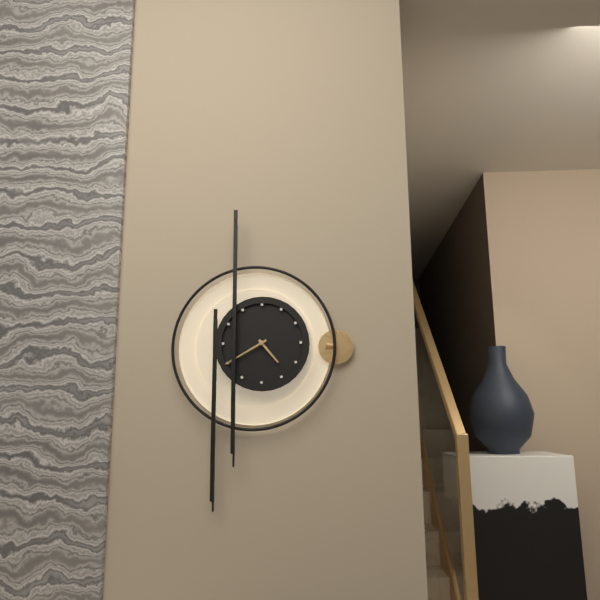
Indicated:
h=4 m=40
